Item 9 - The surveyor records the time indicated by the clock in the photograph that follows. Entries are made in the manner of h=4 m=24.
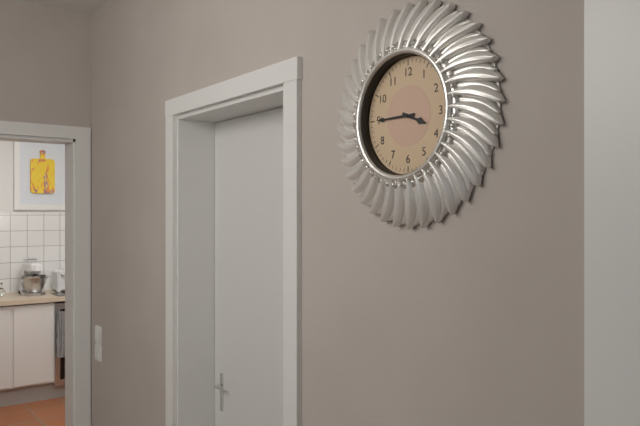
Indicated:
h=3 m=45
